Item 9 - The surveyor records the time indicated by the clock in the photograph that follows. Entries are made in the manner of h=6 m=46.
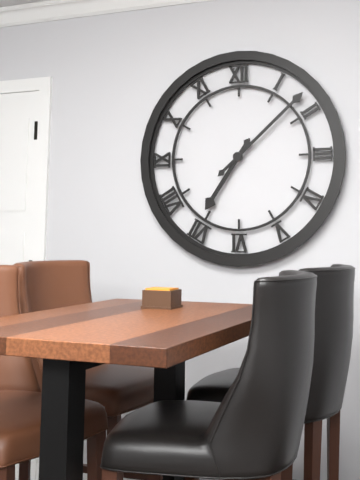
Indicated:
h=7 m=8
